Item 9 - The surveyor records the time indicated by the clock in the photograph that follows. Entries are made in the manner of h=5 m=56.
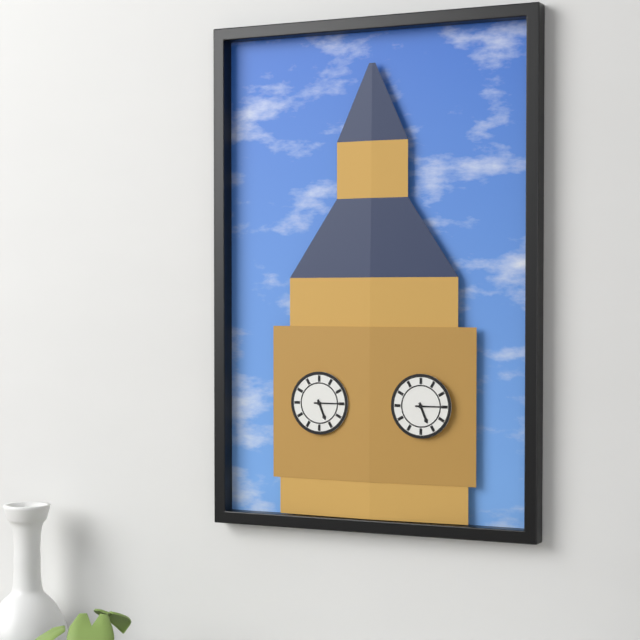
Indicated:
h=5 m=15
